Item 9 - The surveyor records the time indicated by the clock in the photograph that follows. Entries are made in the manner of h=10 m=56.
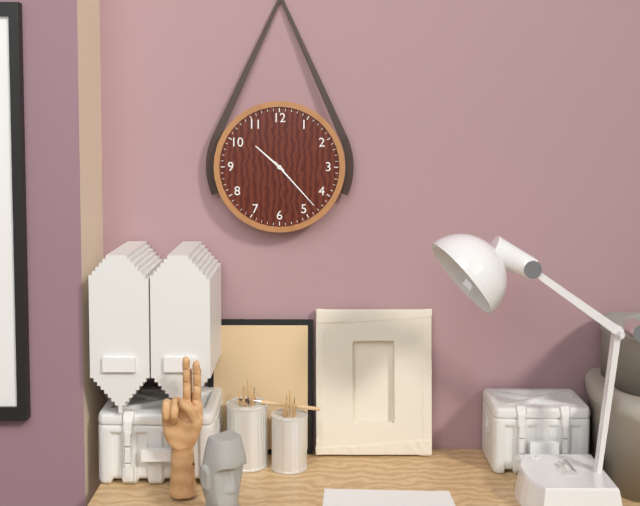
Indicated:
h=10 m=23
